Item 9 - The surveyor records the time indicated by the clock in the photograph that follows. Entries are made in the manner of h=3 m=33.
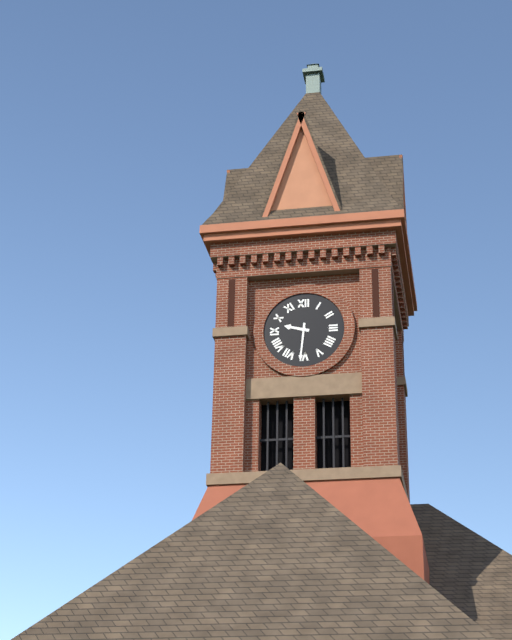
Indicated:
h=9 m=31
